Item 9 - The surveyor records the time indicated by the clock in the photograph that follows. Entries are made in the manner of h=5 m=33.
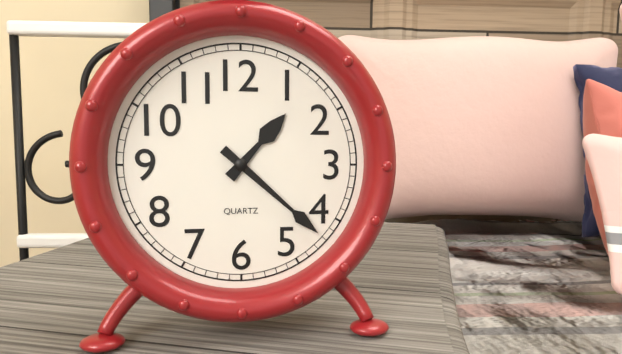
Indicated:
h=1 m=22
